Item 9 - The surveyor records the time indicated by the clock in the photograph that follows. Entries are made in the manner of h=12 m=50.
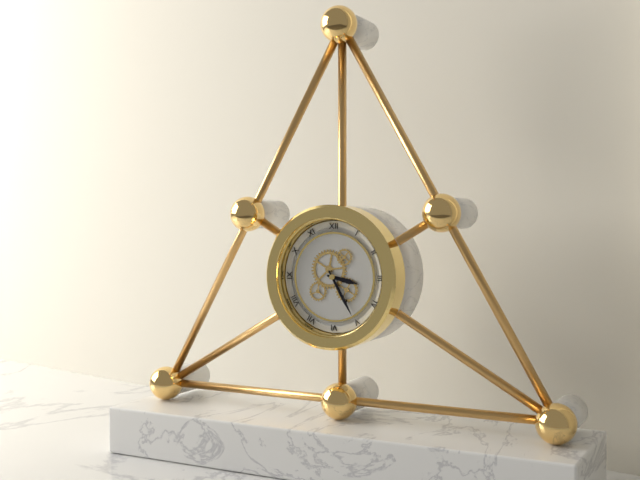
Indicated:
h=3 m=25
